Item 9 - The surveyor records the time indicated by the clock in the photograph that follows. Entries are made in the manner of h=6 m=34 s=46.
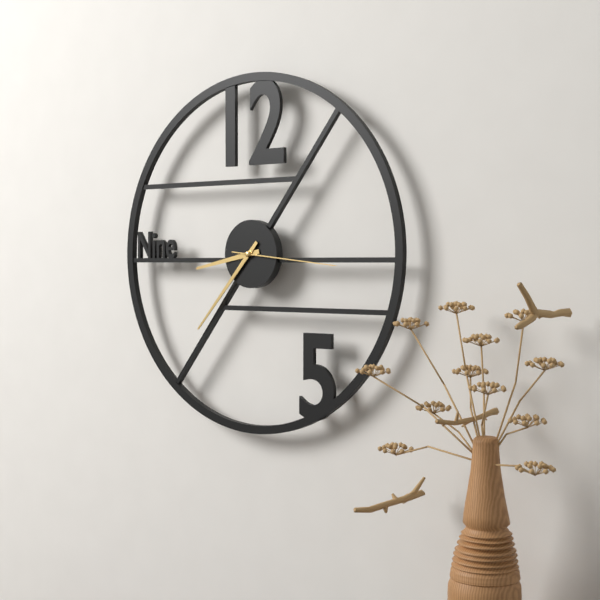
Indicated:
h=8 m=37 s=16
